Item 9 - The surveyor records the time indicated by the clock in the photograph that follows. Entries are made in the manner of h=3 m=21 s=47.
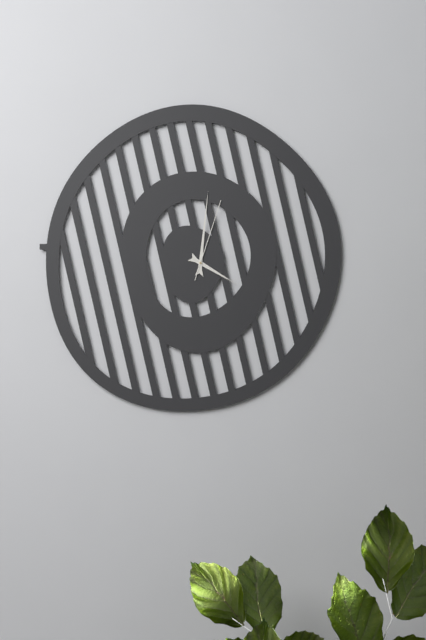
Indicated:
h=4 m=1 s=3
